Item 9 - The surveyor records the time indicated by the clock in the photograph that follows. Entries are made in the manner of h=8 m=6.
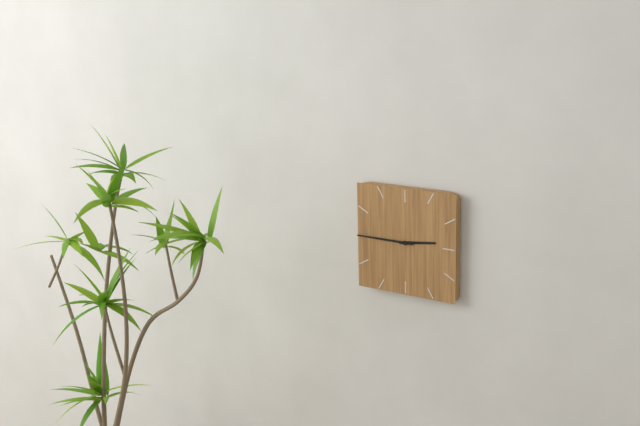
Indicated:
h=2 m=45
